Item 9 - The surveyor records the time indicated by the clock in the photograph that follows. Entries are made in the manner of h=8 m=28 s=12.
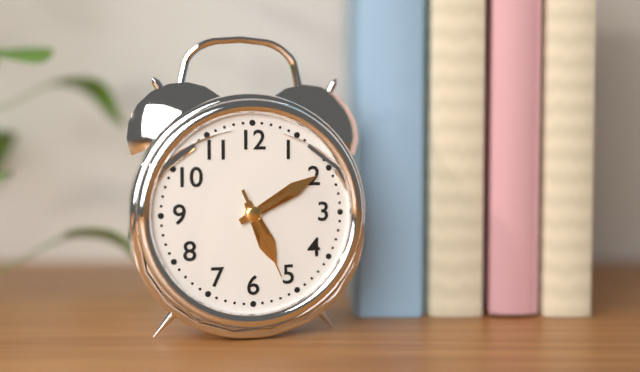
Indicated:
h=5 m=10 s=26
